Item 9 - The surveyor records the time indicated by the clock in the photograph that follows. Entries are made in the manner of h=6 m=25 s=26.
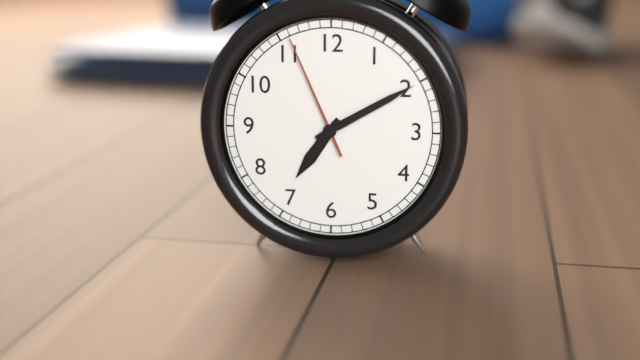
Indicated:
h=7 m=10 s=56
